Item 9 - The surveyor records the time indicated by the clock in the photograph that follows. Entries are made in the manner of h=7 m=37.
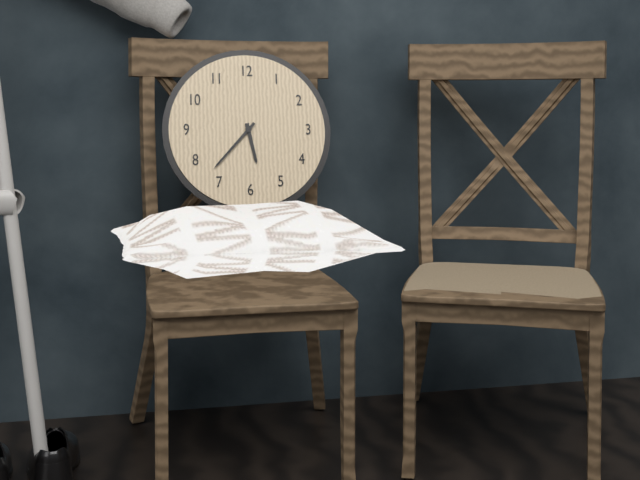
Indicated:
h=5 m=37
